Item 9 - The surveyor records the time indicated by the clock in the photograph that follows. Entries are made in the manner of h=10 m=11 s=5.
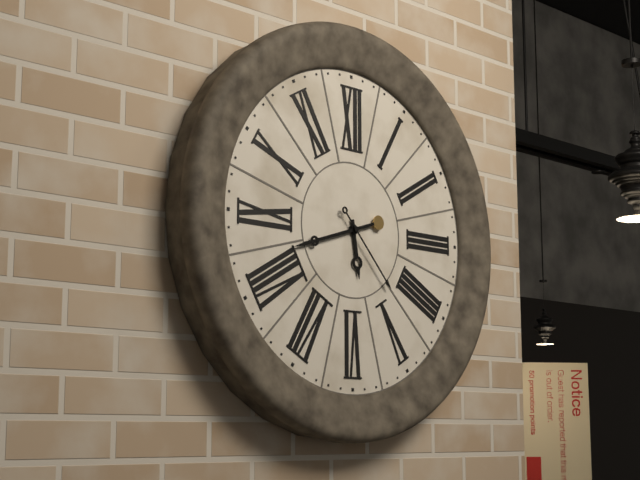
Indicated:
h=5 m=42 s=23
